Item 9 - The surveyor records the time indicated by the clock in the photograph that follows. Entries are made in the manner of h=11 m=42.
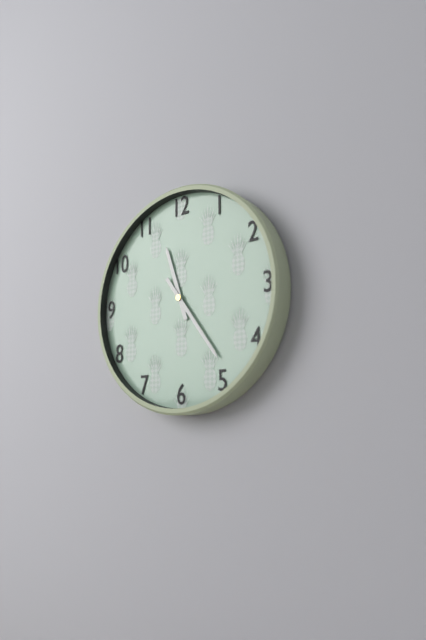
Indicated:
h=11 m=24
